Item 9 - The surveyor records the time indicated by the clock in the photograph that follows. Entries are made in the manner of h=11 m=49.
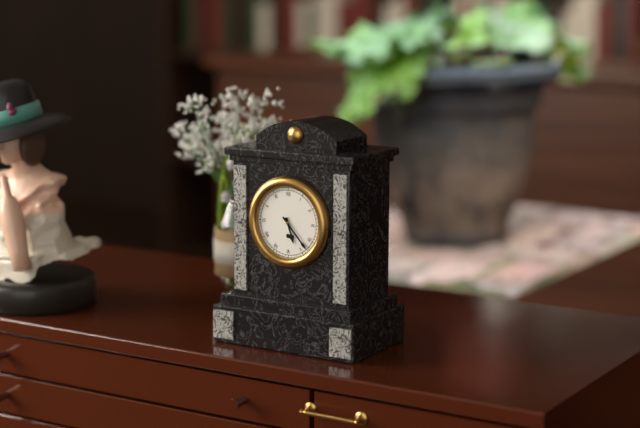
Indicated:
h=5 m=23
